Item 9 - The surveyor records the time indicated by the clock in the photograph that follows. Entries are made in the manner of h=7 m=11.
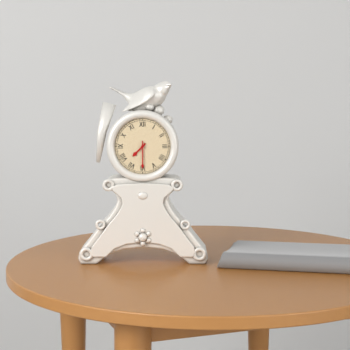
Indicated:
h=7 m=30
